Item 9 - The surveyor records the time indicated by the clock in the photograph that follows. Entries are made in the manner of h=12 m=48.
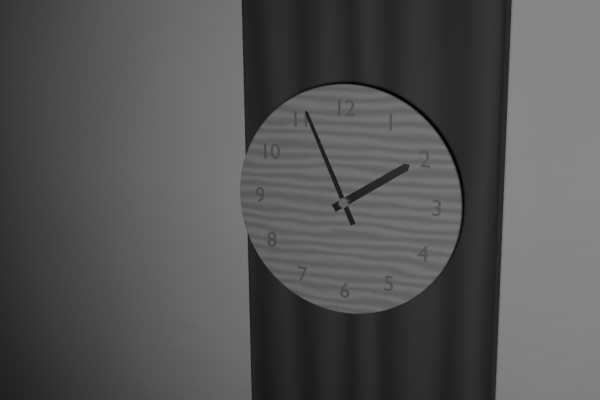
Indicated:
h=1 m=56
